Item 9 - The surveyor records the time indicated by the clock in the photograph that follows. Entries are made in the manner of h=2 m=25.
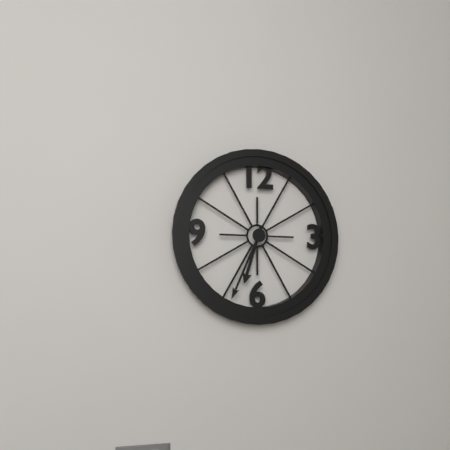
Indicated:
h=6 m=34
